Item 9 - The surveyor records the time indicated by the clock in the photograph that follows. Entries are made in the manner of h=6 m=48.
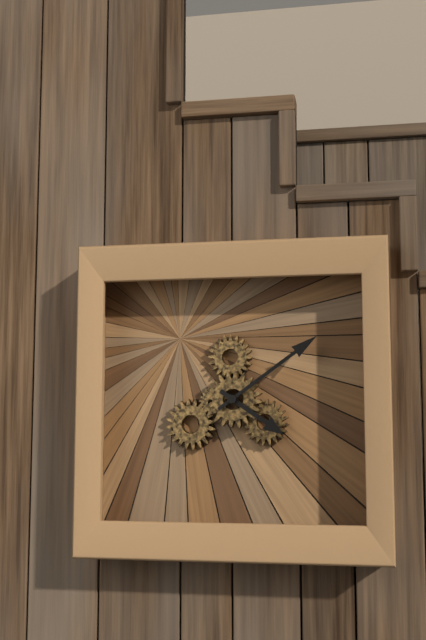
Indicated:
h=4 m=9
